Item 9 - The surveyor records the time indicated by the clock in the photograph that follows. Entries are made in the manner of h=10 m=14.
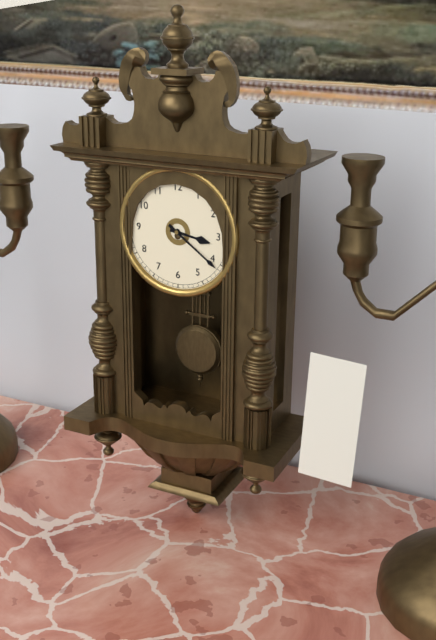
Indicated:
h=3 m=21
